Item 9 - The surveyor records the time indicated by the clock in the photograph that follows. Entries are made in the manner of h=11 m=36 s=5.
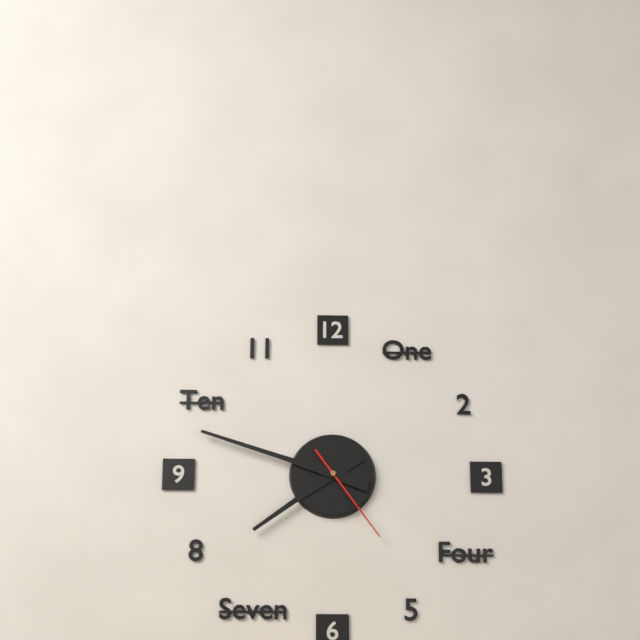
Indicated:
h=7 m=48 s=24
